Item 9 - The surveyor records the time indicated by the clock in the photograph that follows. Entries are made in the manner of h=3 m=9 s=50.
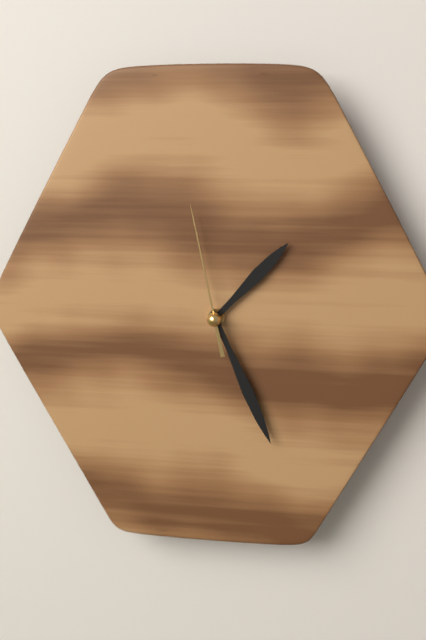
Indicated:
h=1 m=26 s=58
